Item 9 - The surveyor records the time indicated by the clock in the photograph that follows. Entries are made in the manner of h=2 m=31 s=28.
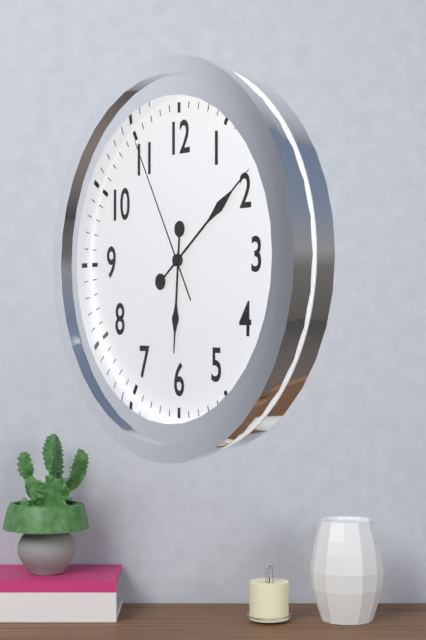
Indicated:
h=6 m=9 s=55
